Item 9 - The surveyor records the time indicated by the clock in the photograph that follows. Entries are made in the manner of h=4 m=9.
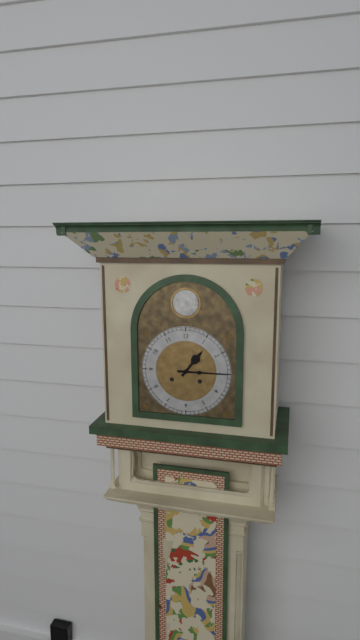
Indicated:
h=1 m=15
